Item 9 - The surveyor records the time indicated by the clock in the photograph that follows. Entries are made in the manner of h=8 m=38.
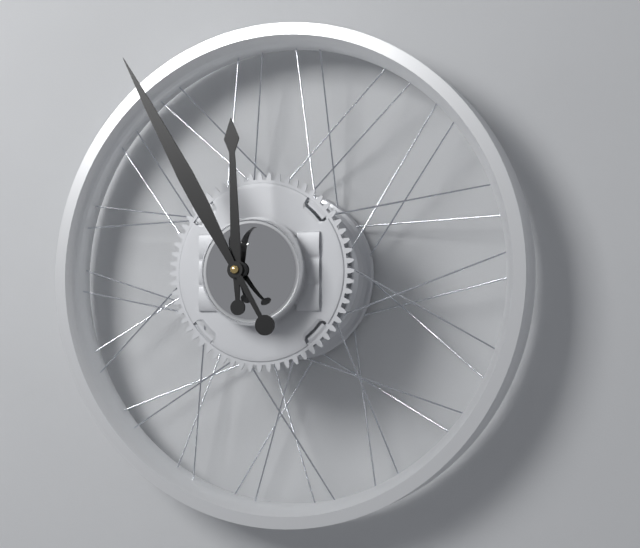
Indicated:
h=11 m=55
